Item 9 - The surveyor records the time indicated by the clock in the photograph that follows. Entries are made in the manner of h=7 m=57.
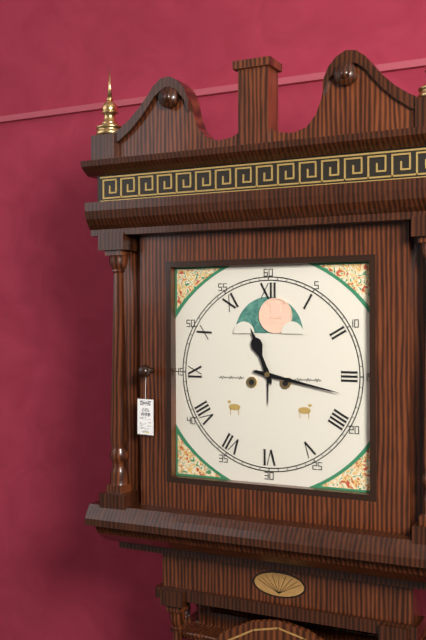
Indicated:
h=11 m=17
